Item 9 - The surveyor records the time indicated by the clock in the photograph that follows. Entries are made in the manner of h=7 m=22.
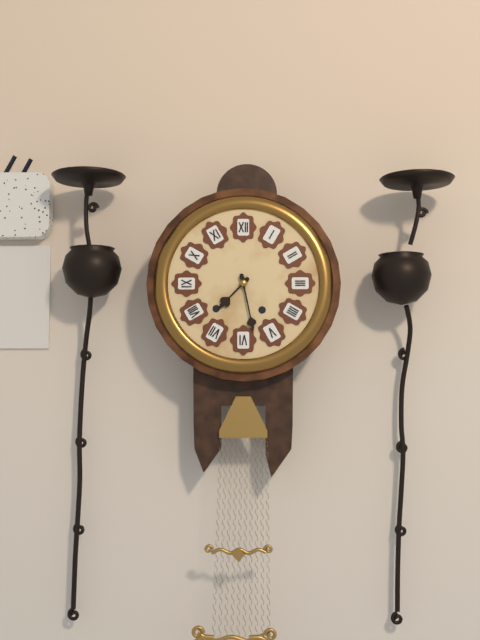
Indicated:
h=7 m=28
